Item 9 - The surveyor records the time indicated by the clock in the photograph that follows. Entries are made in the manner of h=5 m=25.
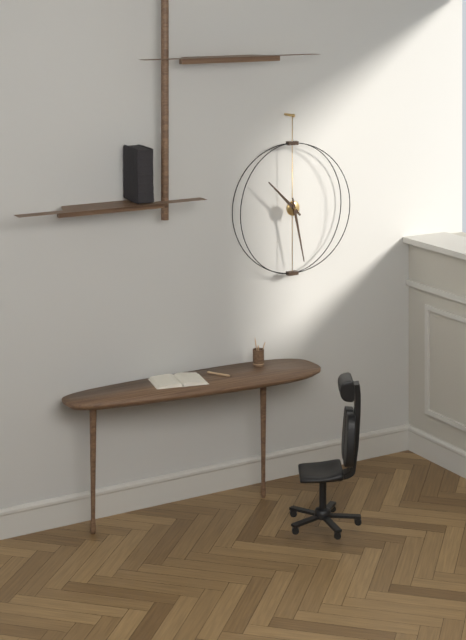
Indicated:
h=10 m=28
